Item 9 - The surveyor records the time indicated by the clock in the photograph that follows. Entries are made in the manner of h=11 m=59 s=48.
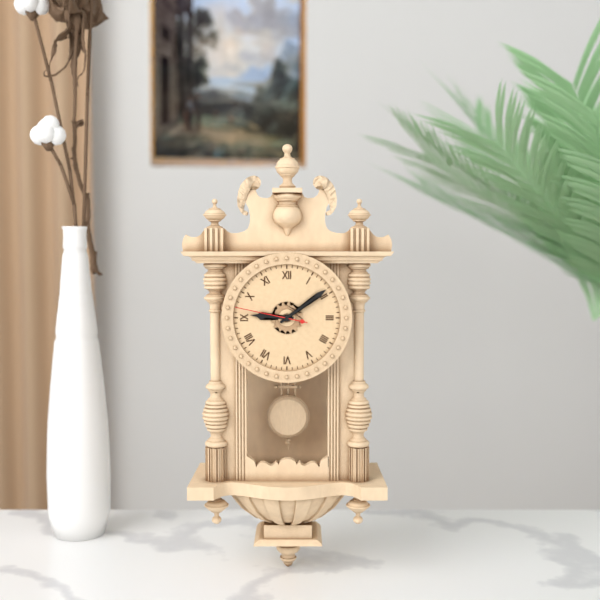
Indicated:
h=9 m=9 s=47
